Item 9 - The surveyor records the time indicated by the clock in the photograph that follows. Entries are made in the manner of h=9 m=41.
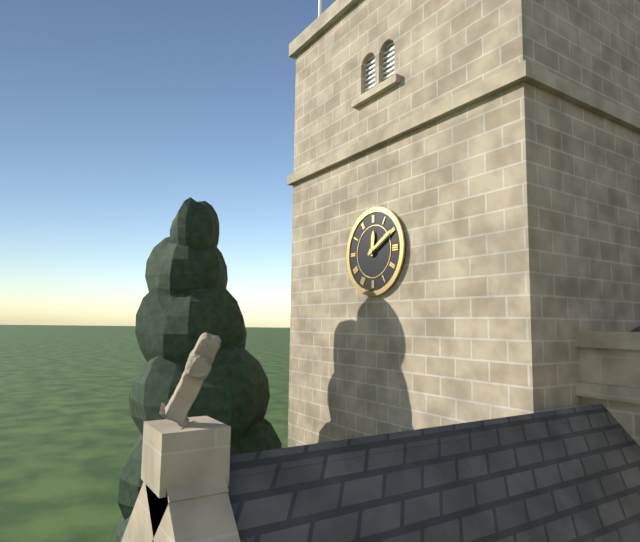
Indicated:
h=12 m=10
